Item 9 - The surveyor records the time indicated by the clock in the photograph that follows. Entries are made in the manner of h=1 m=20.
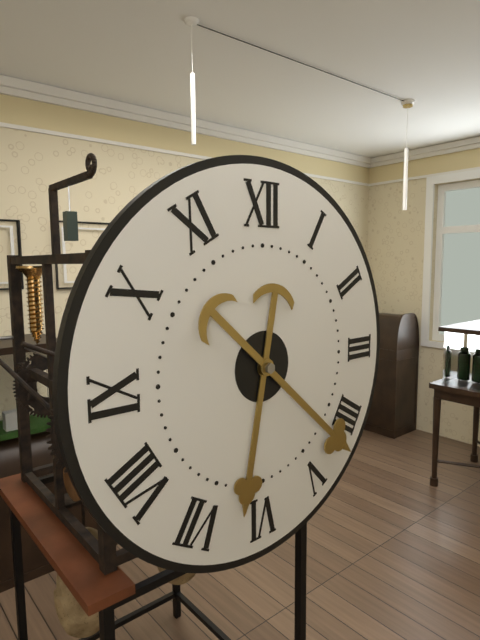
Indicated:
h=6 m=22
